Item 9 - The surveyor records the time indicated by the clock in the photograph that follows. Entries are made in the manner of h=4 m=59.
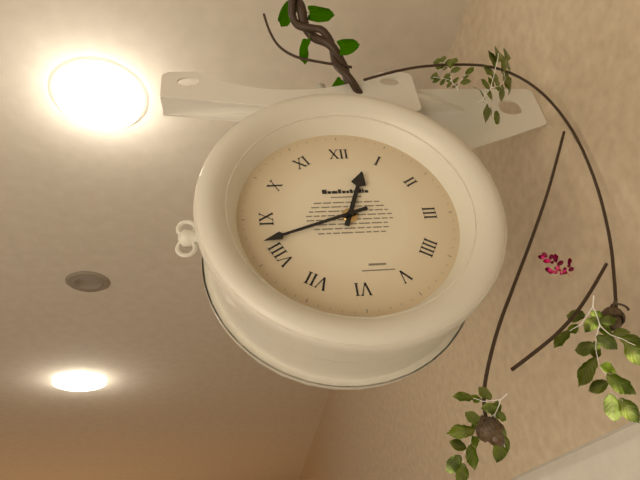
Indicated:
h=12 m=42
